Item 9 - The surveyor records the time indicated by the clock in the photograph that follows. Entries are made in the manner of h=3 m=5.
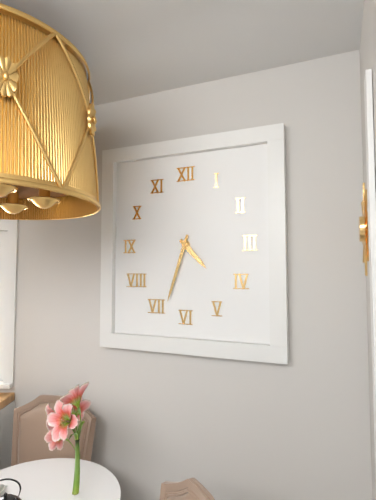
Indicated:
h=4 m=33
